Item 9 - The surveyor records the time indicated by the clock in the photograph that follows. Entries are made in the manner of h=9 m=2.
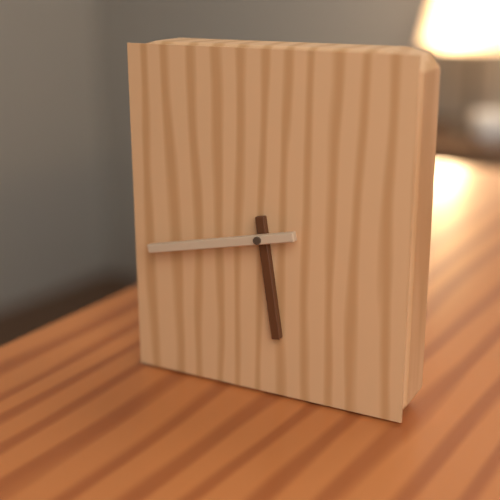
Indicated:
h=5 m=43
